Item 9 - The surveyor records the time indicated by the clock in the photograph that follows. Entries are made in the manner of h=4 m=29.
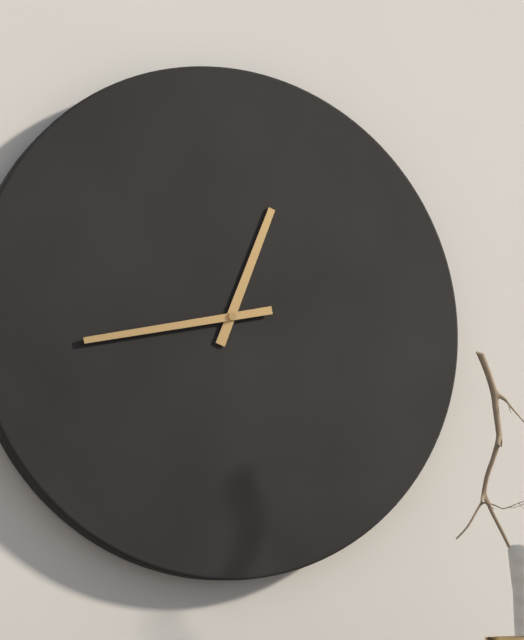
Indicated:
h=12 m=43
